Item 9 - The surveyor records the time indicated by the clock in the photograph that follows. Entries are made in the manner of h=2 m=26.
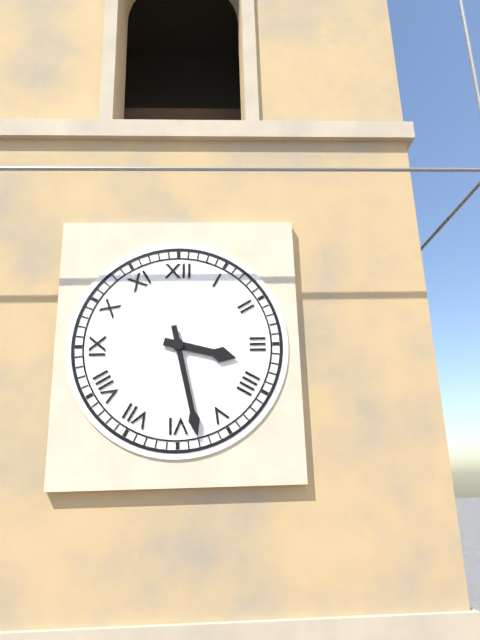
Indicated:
h=3 m=28
